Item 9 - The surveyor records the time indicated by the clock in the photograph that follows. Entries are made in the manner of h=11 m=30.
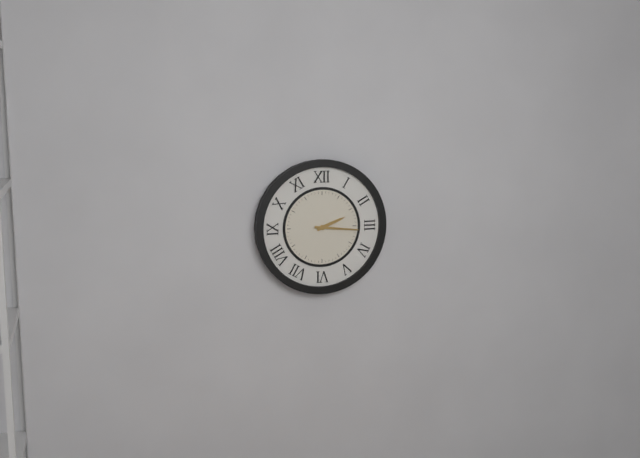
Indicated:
h=2 m=16
